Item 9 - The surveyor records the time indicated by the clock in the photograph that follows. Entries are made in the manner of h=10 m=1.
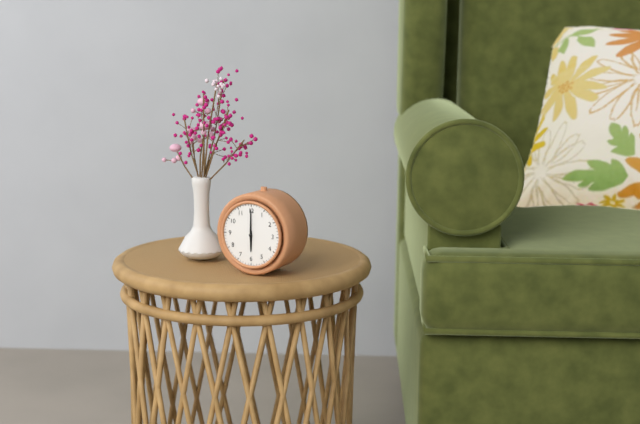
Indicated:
h=6 m=0
